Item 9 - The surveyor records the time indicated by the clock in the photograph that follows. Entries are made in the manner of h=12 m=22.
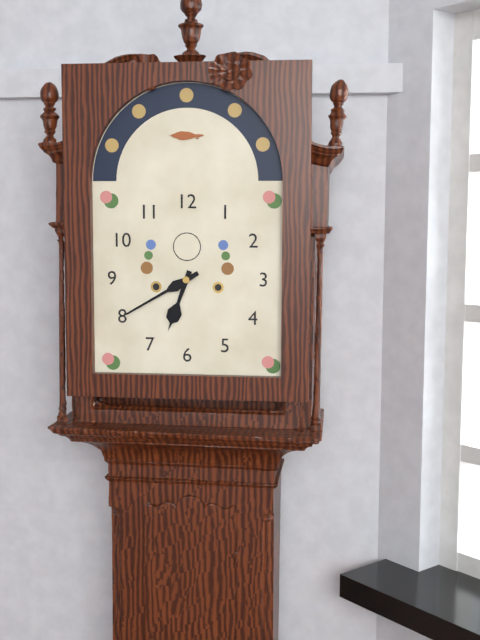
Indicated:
h=6 m=40
